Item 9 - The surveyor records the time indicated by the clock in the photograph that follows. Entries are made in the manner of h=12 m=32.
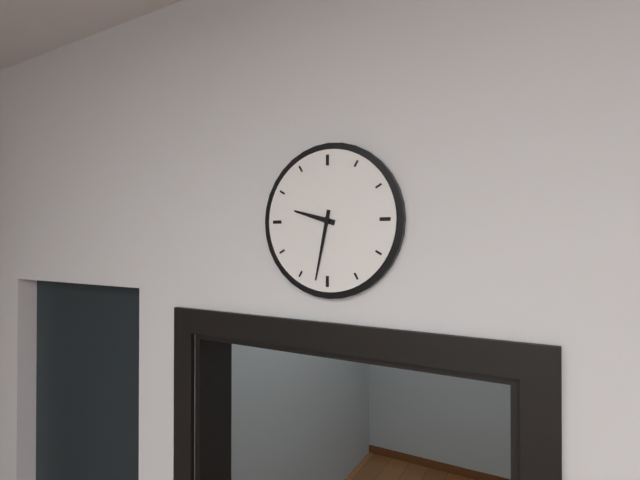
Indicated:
h=9 m=32
